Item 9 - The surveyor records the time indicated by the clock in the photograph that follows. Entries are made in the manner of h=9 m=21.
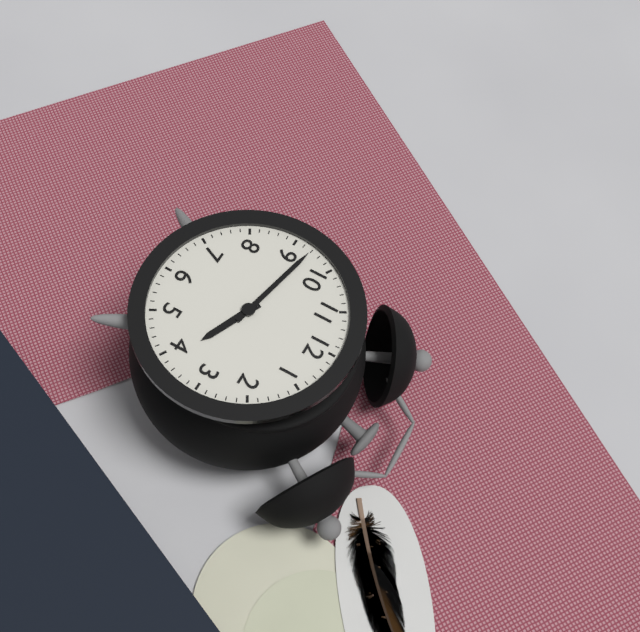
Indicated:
h=3 m=47
